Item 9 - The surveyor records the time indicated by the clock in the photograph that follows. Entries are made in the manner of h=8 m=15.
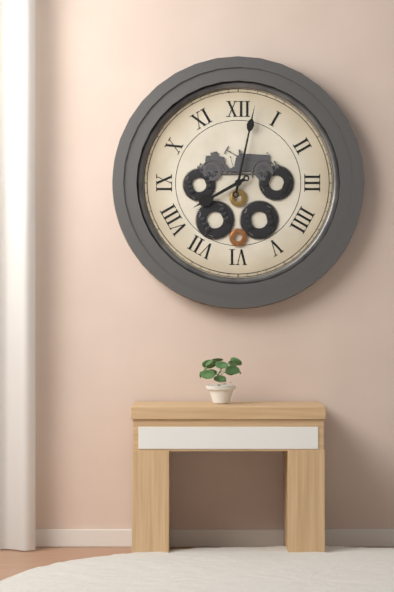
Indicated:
h=8 m=2
